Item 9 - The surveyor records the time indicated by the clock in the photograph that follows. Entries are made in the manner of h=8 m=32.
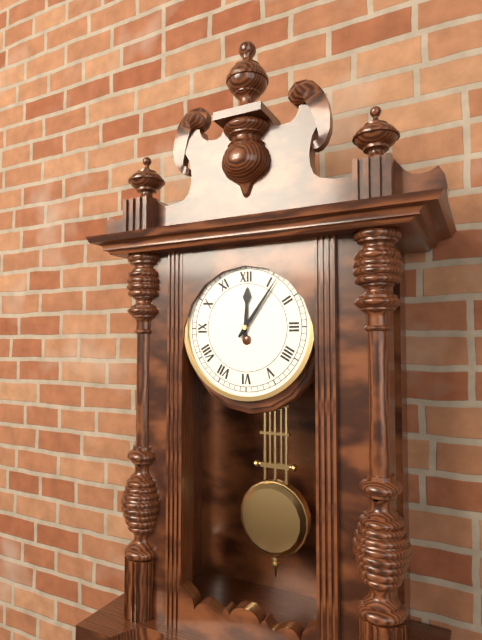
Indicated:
h=12 m=6
